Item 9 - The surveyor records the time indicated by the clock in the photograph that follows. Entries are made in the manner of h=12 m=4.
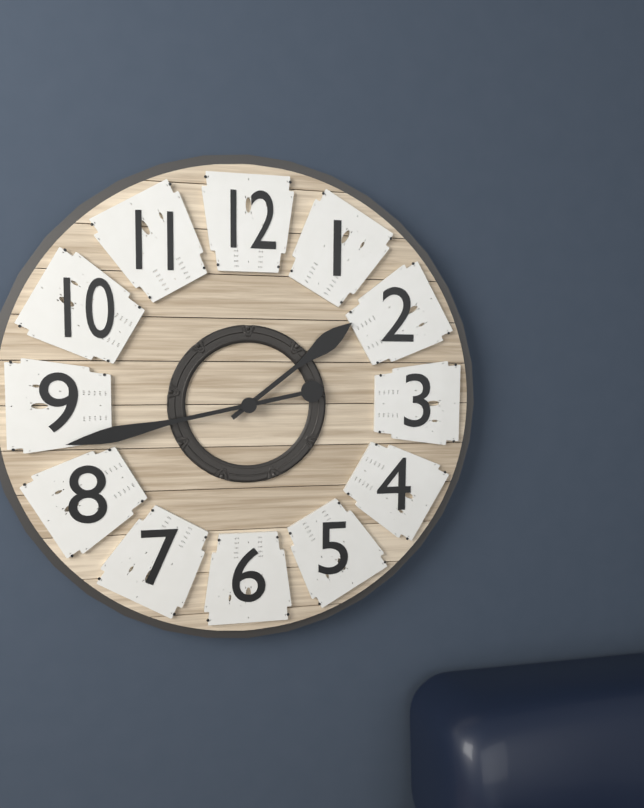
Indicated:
h=1 m=43
